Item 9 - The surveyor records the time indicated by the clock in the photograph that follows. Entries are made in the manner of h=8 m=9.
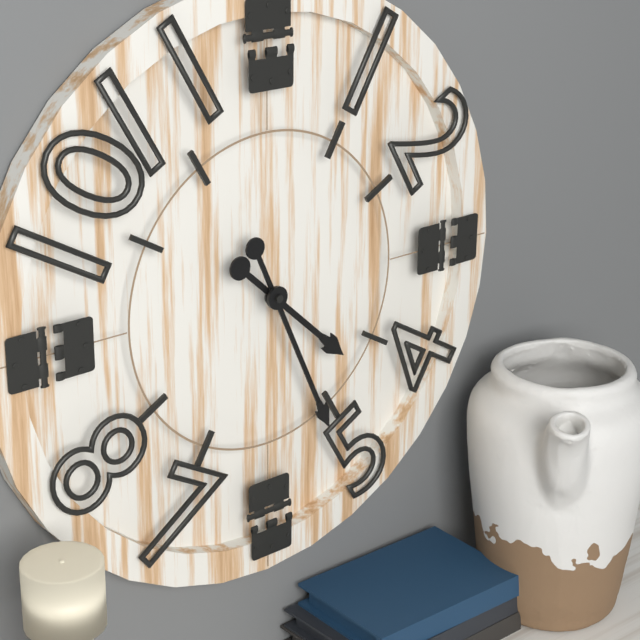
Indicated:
h=4 m=26
